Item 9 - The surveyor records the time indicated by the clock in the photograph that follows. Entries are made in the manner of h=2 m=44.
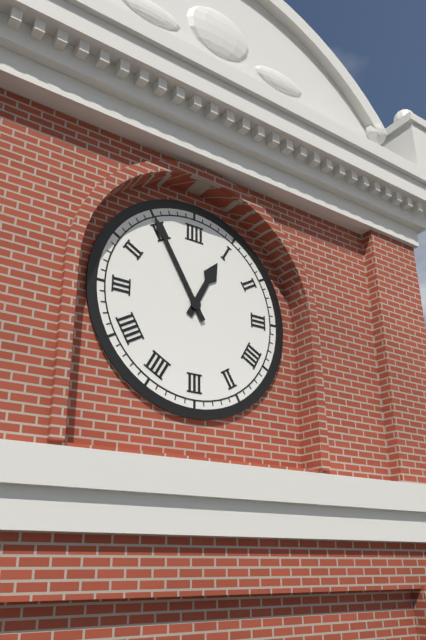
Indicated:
h=12 m=55
